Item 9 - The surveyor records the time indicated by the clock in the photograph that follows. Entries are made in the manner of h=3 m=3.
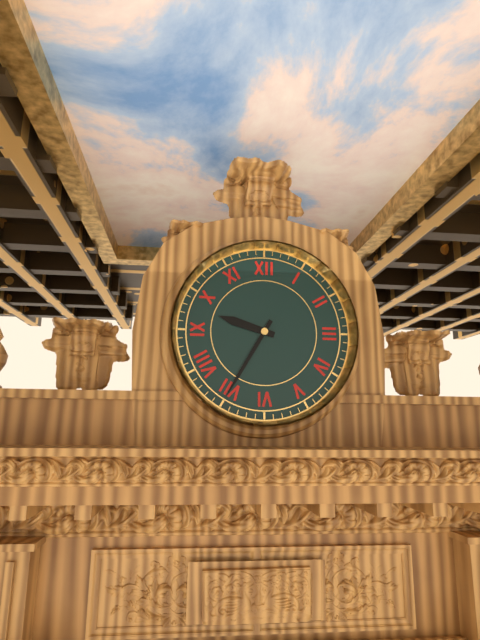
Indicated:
h=9 m=35
